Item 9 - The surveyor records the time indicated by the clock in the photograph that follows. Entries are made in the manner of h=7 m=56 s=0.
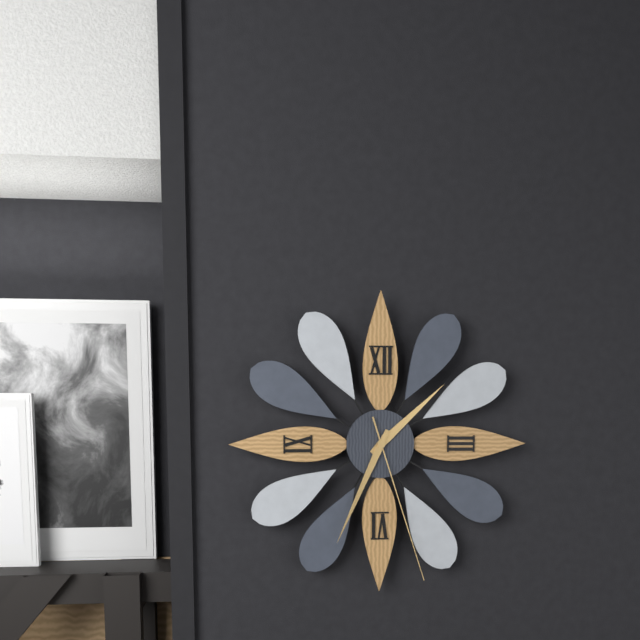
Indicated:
h=1 m=34 s=27
